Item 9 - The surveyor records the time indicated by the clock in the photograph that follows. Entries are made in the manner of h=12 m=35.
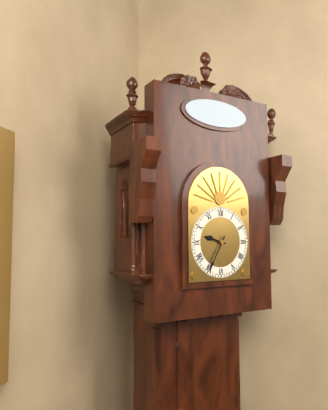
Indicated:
h=9 m=35
